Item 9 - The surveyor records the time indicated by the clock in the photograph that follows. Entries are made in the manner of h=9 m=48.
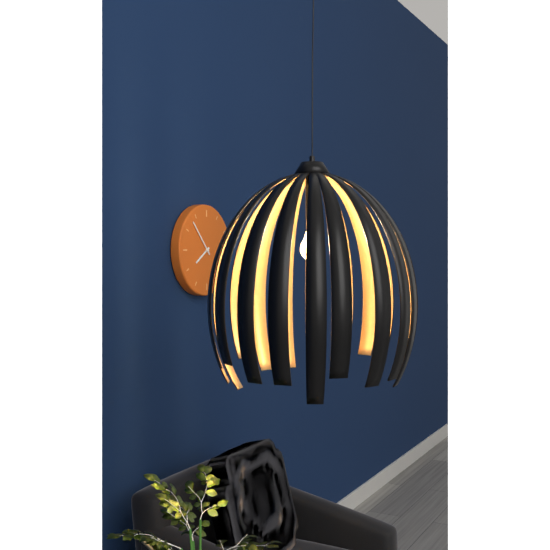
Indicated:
h=7 m=53
